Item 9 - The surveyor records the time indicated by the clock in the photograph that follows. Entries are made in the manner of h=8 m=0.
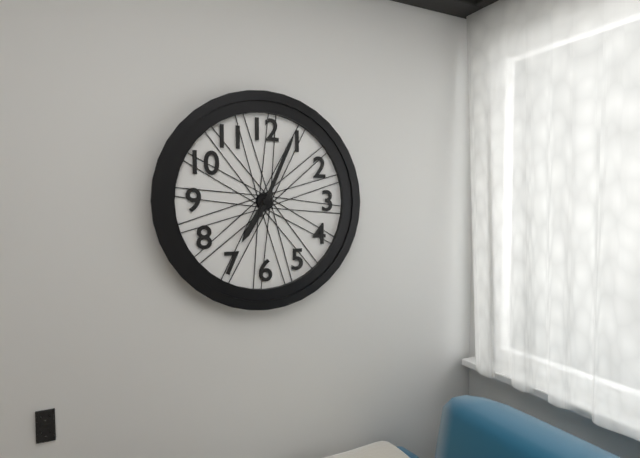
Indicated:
h=7 m=4
